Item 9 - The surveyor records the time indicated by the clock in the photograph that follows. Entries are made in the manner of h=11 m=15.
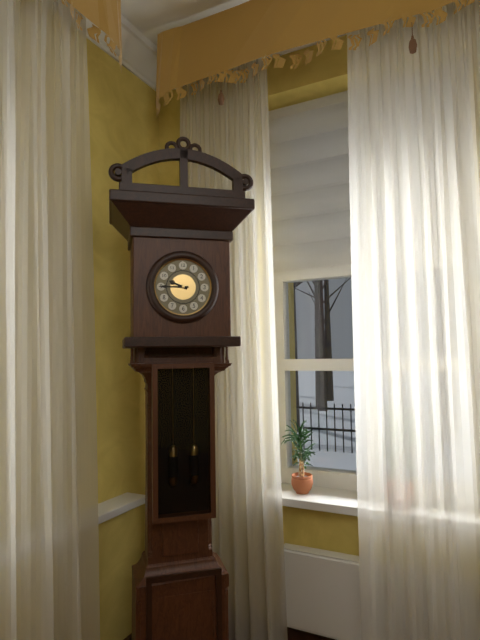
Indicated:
h=9 m=45
